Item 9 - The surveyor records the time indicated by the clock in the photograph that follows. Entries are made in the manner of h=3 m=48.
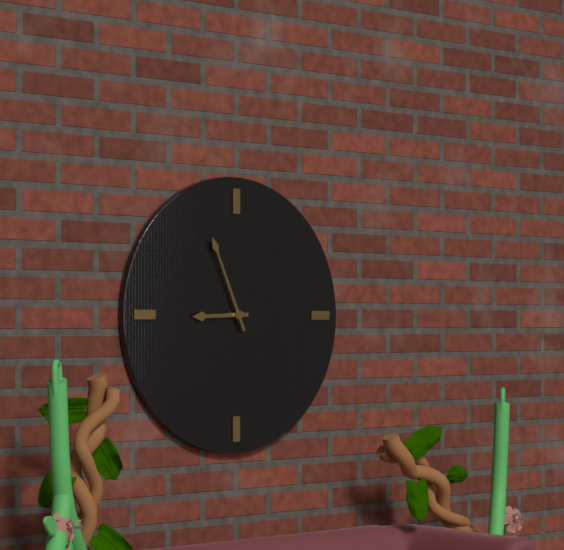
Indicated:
h=8 m=56
